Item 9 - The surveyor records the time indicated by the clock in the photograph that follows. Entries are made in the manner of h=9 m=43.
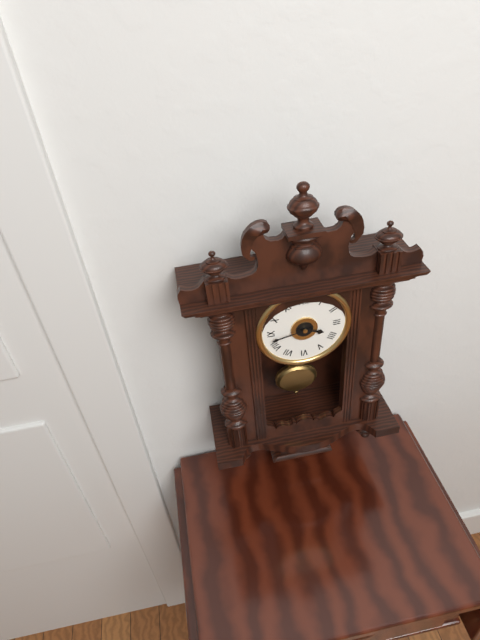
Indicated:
h=3 m=43
